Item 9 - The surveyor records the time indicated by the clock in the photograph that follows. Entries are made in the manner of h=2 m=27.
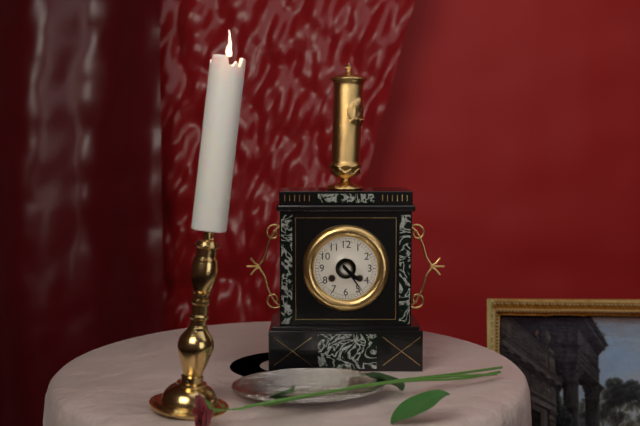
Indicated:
h=4 m=24
